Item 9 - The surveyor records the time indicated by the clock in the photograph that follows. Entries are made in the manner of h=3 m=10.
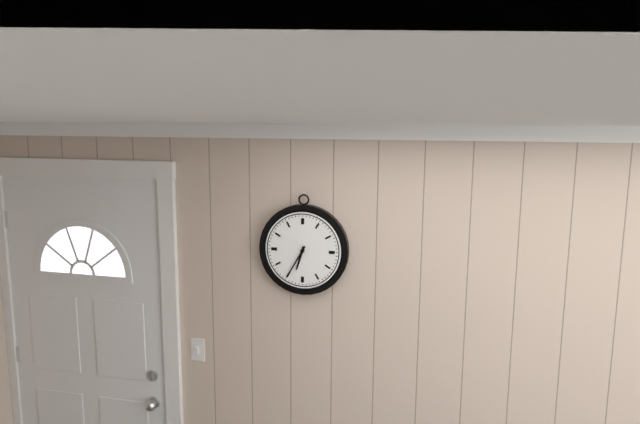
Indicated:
h=6 m=35
